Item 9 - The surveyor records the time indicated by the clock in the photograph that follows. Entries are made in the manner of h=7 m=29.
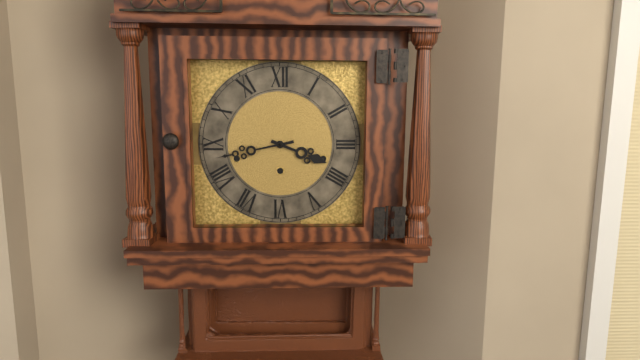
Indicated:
h=3 m=43
